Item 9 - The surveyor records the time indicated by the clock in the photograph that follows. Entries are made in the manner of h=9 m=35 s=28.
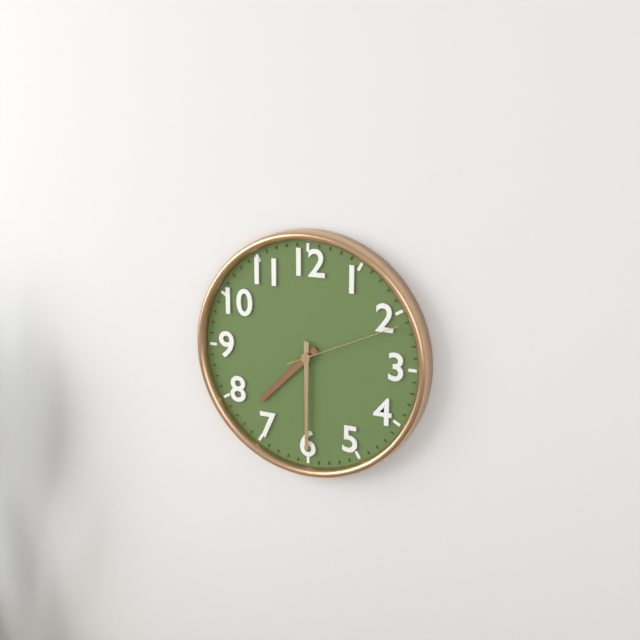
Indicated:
h=7 m=30 s=11
